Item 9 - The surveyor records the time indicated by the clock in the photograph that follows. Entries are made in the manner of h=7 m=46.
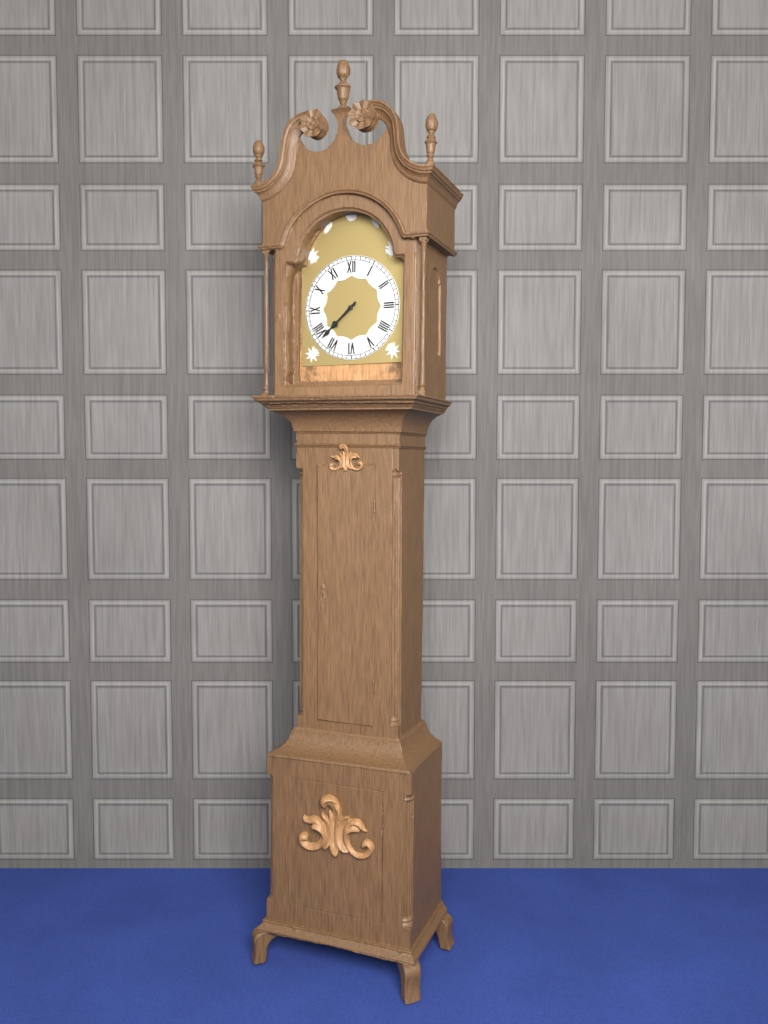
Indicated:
h=7 m=38
